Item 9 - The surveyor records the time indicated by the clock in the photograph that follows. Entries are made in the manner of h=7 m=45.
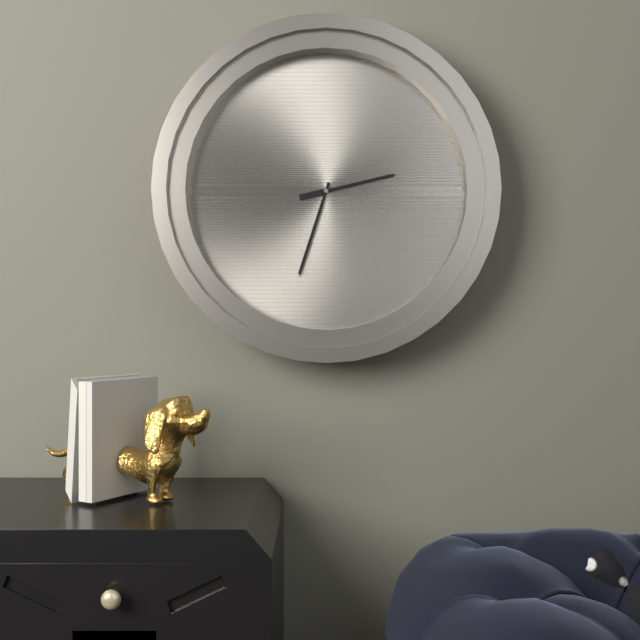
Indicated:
h=2 m=33
